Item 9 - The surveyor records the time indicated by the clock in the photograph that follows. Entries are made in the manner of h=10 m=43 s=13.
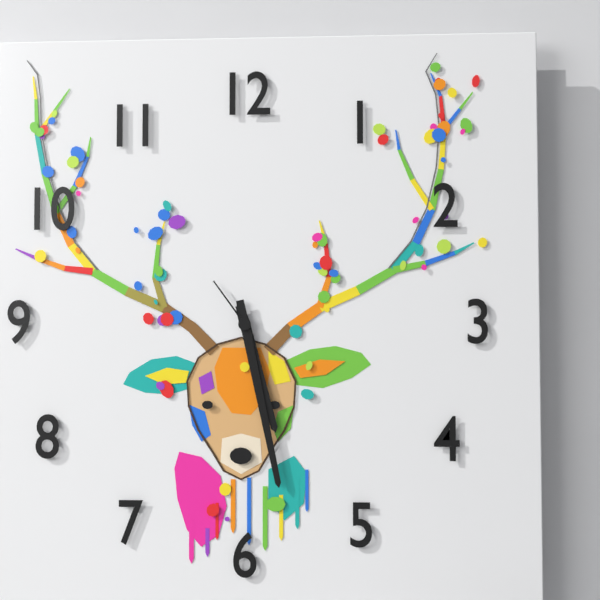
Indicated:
h=5 m=28 s=54
